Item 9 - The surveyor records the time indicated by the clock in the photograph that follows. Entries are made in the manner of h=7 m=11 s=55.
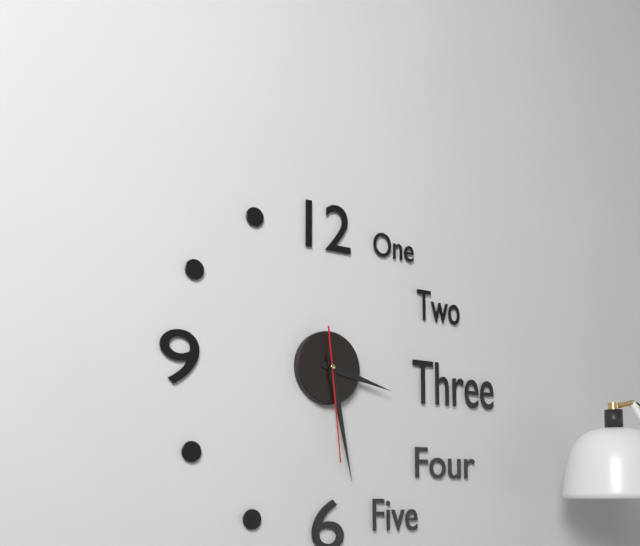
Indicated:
h=3 m=28 s=29
